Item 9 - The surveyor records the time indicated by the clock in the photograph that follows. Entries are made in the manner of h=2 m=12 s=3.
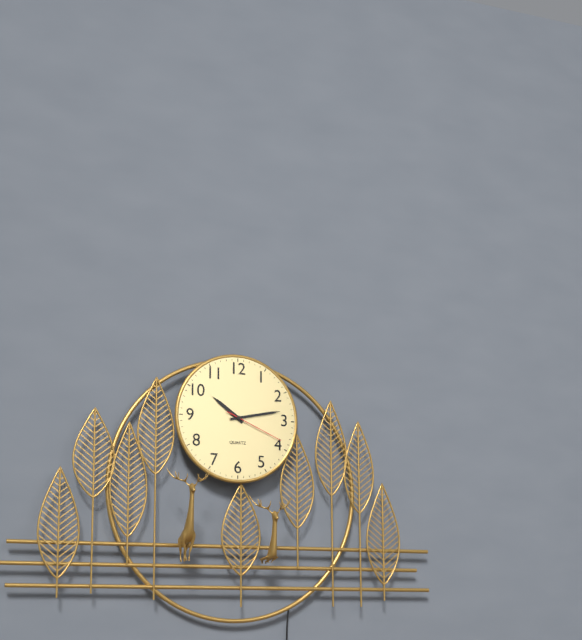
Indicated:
h=10 m=13 s=19
